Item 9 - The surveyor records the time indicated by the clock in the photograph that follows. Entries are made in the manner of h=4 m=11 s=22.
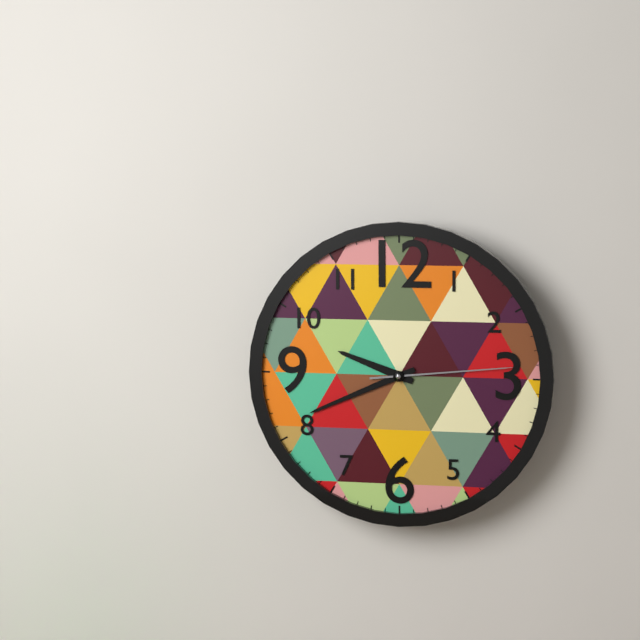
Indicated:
h=9 m=41 s=14
